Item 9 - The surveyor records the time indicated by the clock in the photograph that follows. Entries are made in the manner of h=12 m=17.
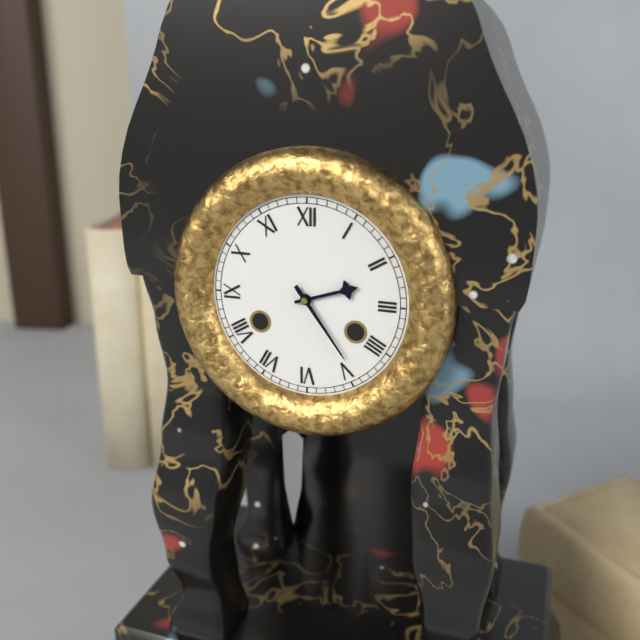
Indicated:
h=2 m=24
